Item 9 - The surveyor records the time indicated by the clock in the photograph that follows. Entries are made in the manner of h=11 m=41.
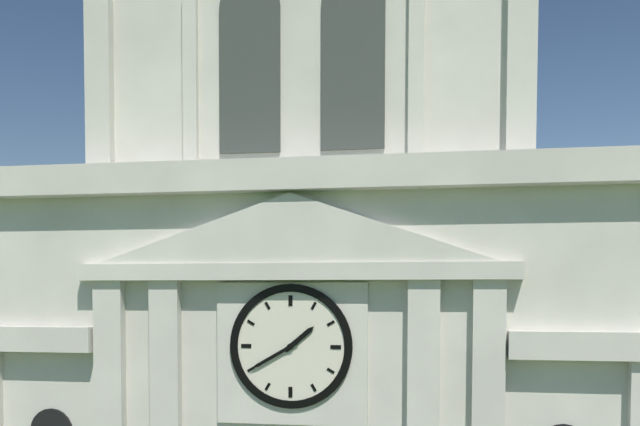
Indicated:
h=1 m=40
